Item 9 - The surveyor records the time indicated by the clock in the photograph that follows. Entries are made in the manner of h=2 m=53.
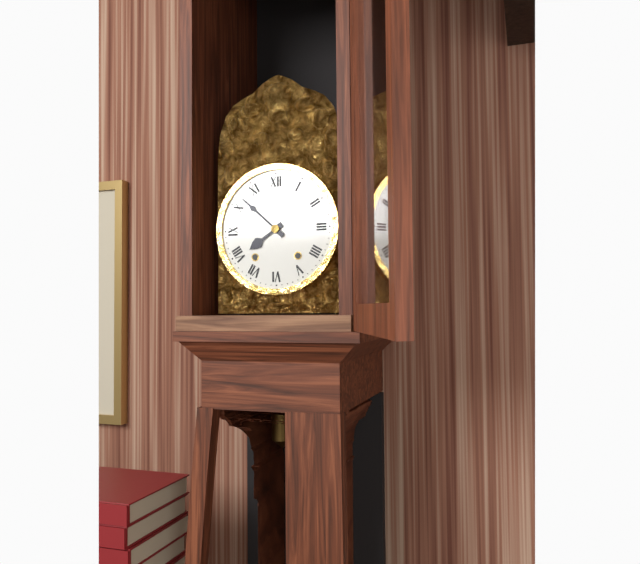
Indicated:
h=7 m=52
